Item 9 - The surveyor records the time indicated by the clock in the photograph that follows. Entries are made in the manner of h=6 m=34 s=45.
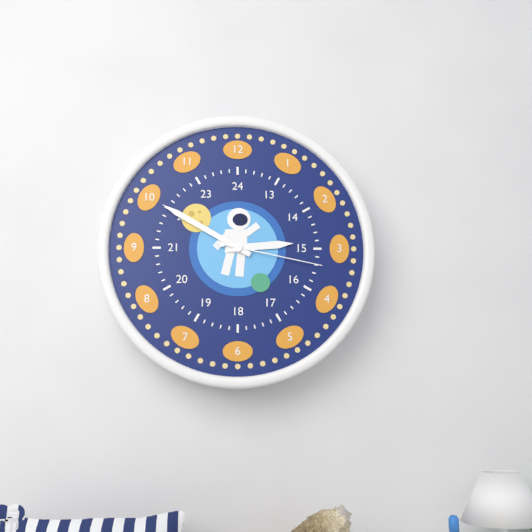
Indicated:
h=2 m=50 s=17
